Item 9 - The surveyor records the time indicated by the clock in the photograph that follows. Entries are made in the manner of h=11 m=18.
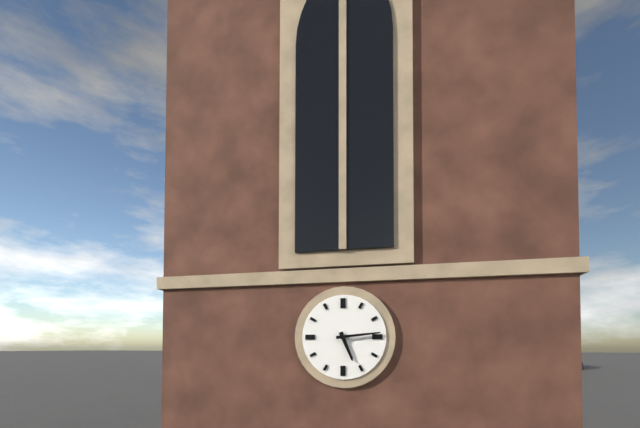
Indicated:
h=5 m=14
